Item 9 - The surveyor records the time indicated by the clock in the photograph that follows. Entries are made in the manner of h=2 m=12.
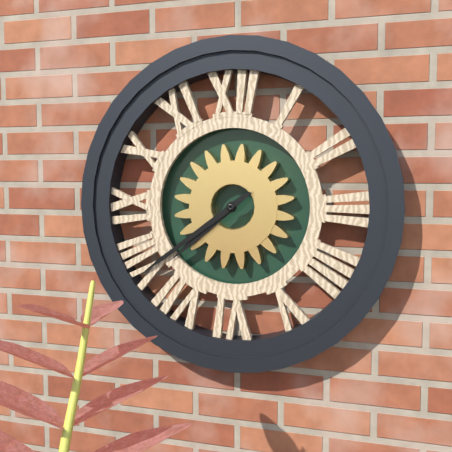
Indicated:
h=7 m=39
